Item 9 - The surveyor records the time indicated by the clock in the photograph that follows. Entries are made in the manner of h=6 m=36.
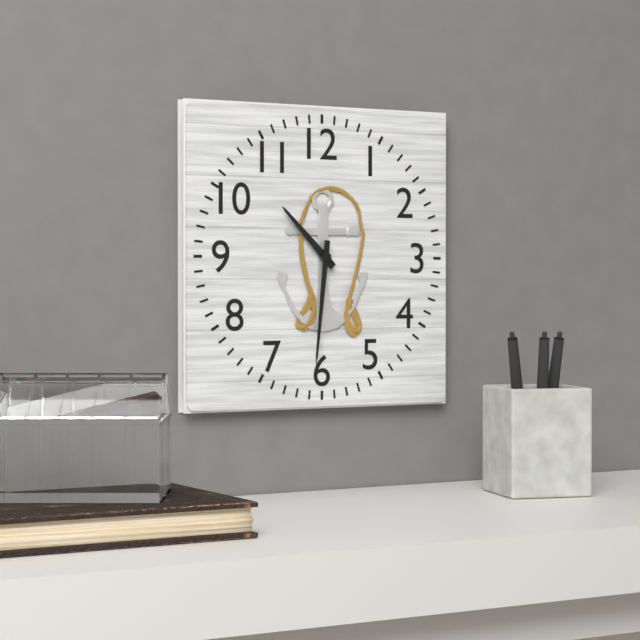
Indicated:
h=10 m=31
